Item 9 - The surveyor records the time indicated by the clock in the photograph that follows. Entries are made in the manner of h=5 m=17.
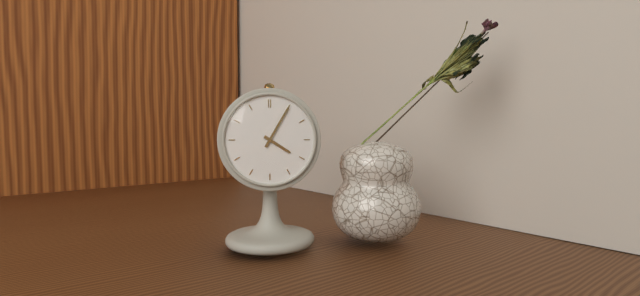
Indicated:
h=4 m=5
